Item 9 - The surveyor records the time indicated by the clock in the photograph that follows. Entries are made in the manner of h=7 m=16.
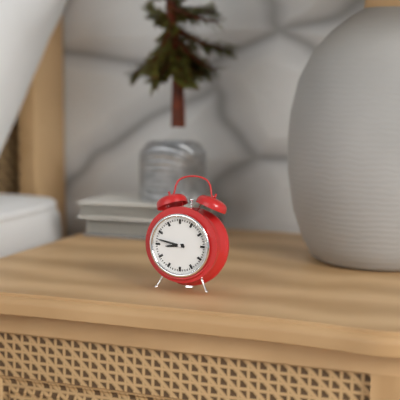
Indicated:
h=8 m=47
